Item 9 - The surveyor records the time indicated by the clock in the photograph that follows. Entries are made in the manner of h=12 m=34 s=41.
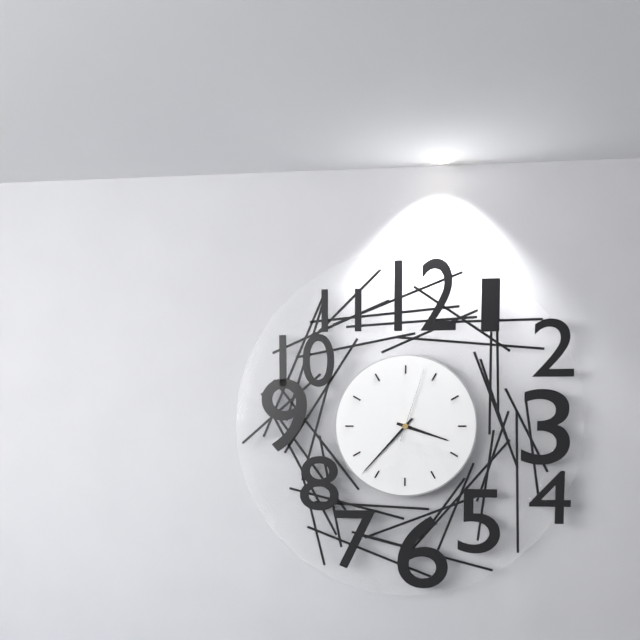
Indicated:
h=3 m=37 s=3
